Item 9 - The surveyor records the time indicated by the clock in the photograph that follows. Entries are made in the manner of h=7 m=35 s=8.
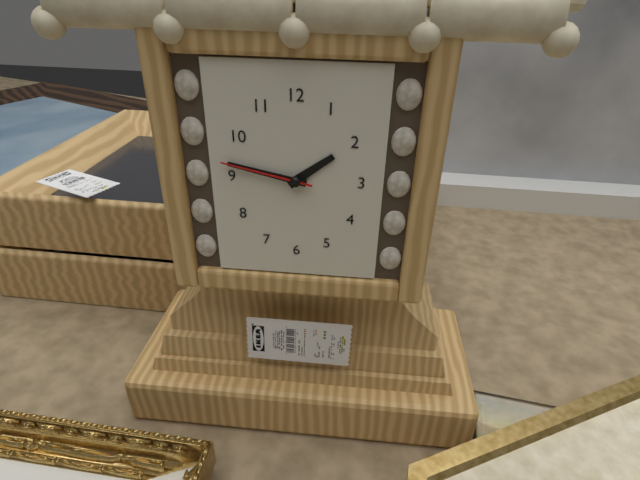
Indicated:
h=1 m=47 s=47
